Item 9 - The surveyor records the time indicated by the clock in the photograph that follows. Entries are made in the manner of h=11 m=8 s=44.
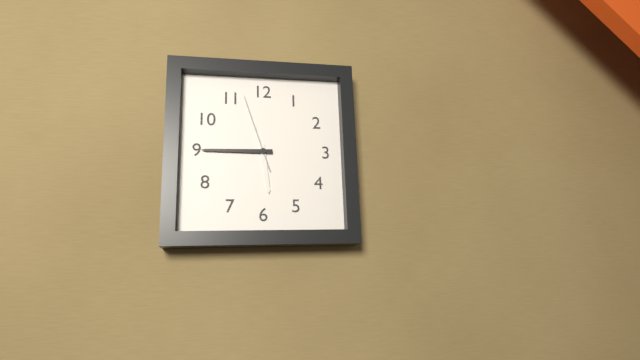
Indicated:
h=5 m=45 s=57
